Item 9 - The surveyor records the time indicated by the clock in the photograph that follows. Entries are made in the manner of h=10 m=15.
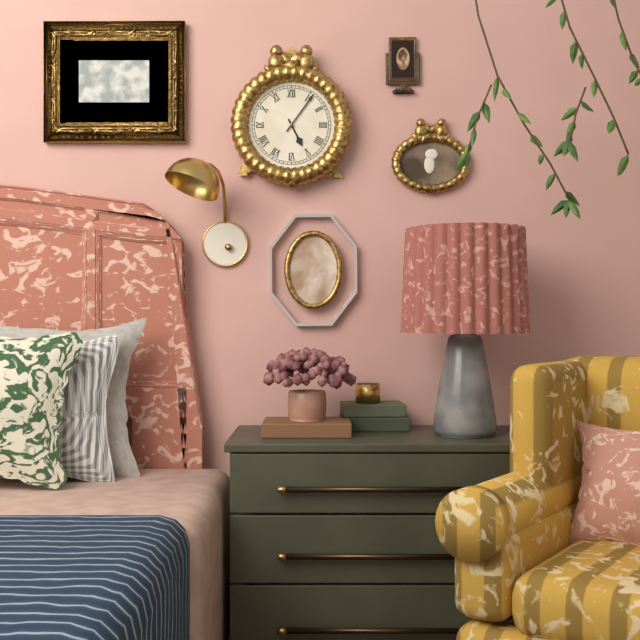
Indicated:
h=5 m=6
